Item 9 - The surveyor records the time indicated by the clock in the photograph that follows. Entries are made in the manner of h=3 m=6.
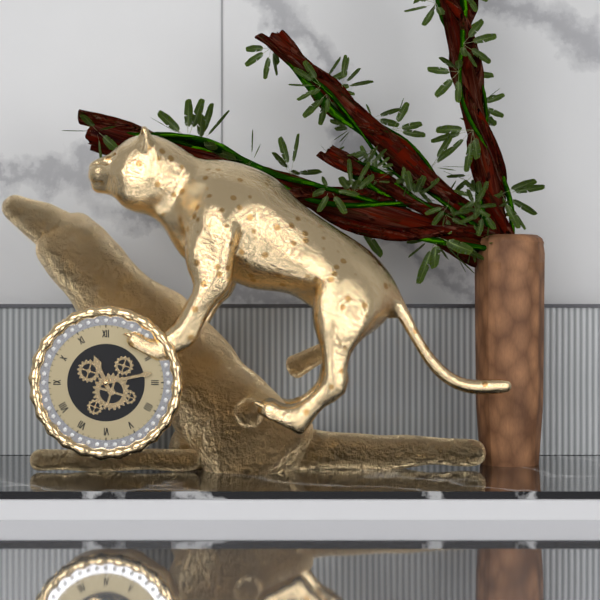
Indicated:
h=11 m=13
